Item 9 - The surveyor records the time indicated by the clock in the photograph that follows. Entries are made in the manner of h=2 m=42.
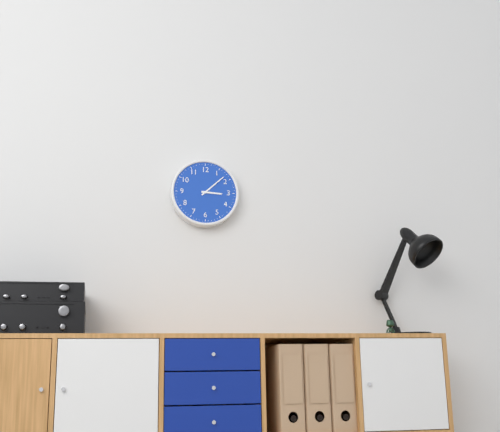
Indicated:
h=3 m=8
